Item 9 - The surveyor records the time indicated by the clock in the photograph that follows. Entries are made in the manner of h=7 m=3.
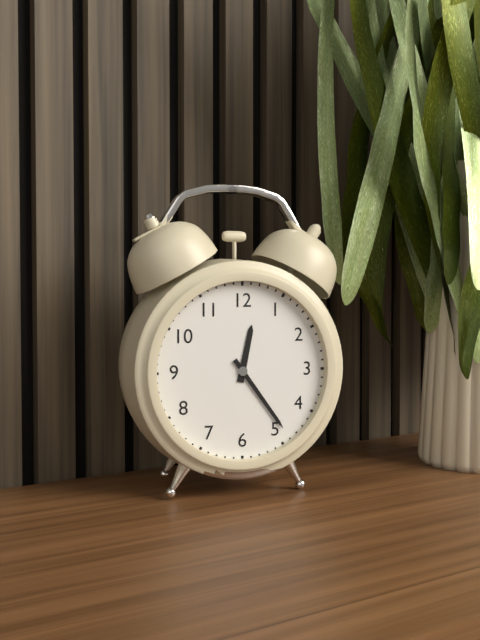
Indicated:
h=12 m=24
